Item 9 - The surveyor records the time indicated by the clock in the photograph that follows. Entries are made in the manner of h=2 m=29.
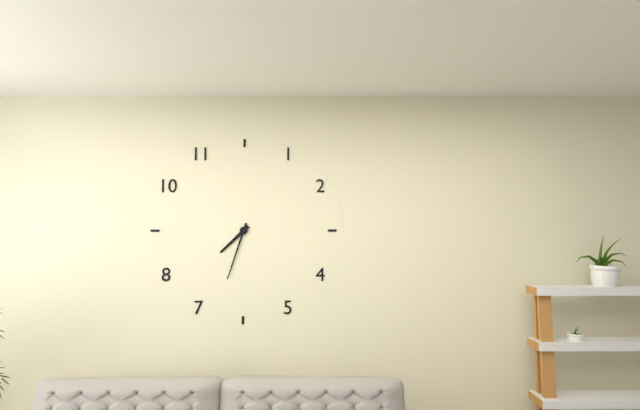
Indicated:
h=7 m=33
